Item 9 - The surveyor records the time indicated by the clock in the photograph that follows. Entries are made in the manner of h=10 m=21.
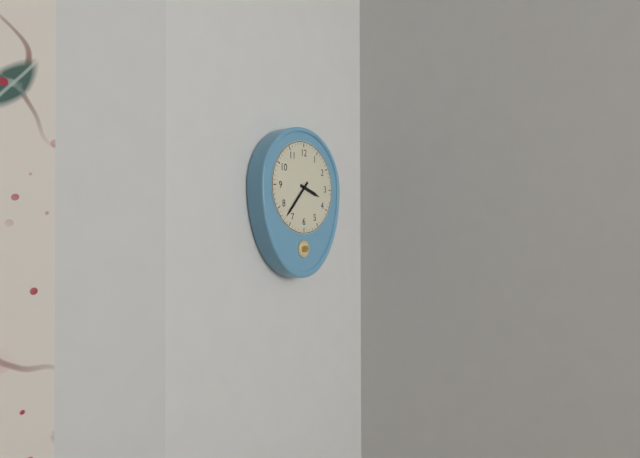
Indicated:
h=3 m=37
